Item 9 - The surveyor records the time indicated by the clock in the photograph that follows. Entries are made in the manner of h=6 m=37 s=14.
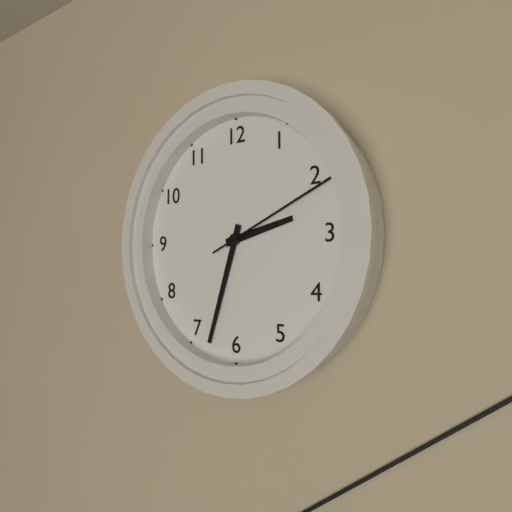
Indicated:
h=2 m=33 s=11
